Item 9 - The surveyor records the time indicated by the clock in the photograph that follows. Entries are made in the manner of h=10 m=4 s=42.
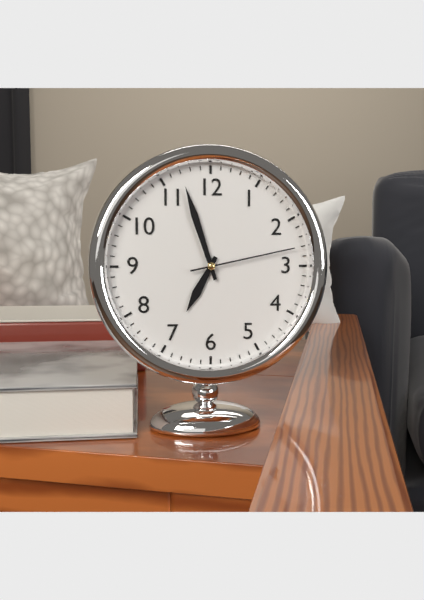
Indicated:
h=6 m=57 s=13
